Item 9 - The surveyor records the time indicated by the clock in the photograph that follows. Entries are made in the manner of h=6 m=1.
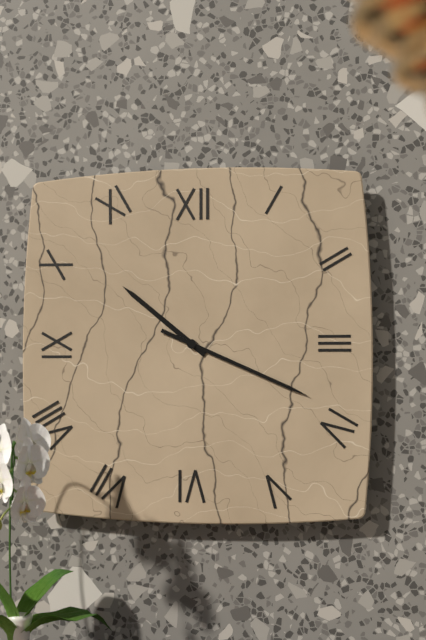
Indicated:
h=10 m=19
